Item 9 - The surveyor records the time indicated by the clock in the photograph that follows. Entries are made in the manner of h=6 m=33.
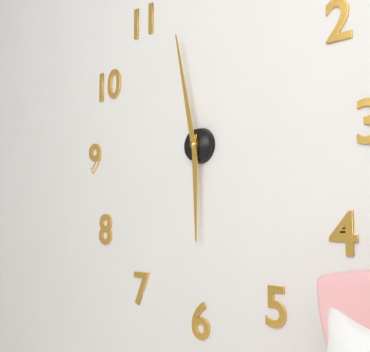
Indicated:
h=5 m=58
